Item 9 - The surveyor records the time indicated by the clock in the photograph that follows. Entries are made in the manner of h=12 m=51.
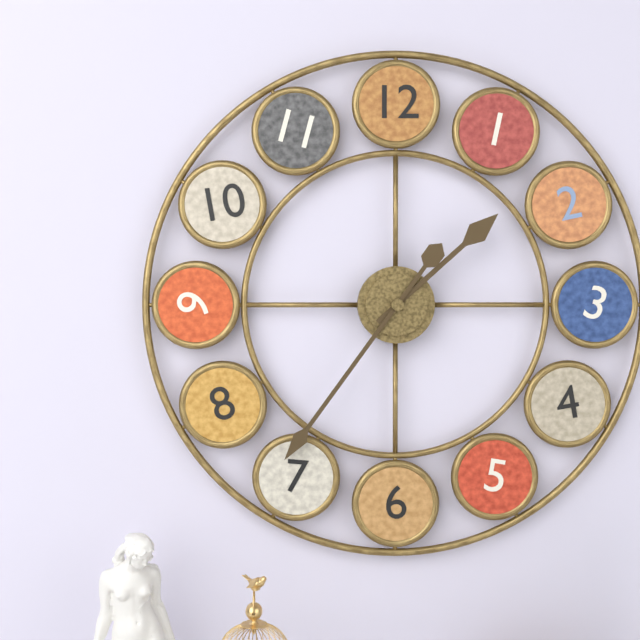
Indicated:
h=1 m=36
